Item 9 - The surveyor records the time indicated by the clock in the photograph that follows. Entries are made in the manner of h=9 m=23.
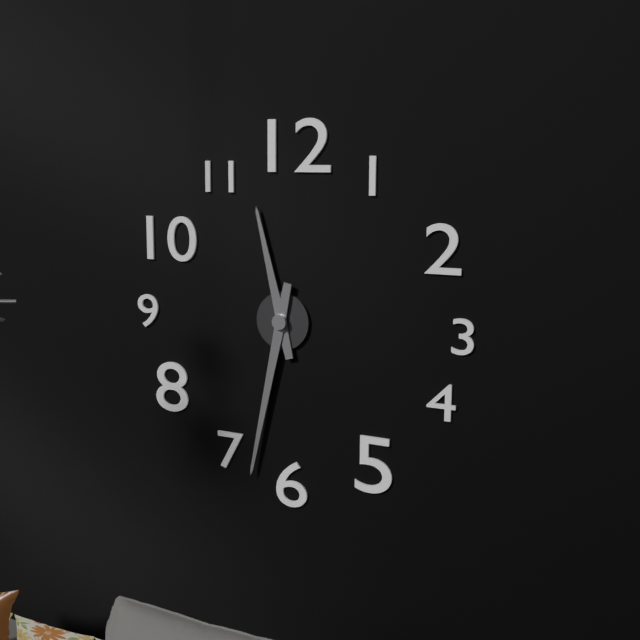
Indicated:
h=11 m=32
